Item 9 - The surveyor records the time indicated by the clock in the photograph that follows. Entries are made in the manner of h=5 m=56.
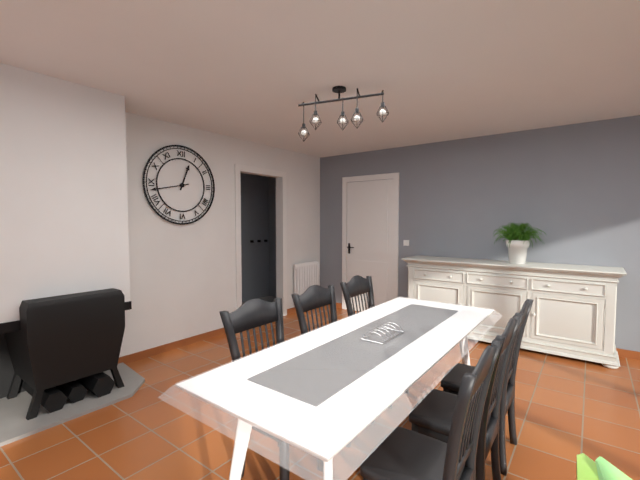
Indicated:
h=12 m=43
